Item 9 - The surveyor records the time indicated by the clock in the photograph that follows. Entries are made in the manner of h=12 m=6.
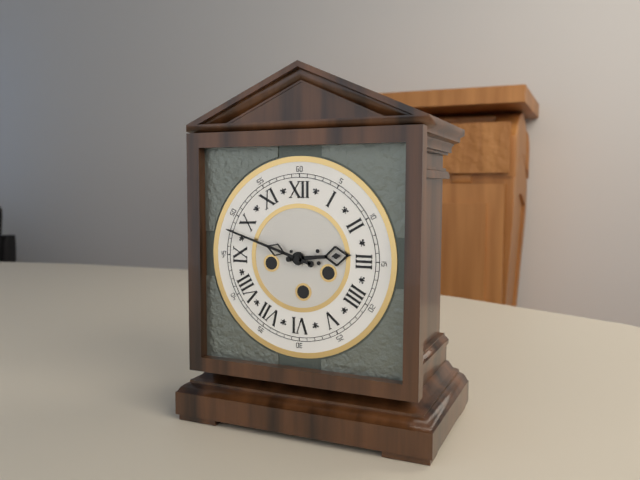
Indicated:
h=2 m=48
